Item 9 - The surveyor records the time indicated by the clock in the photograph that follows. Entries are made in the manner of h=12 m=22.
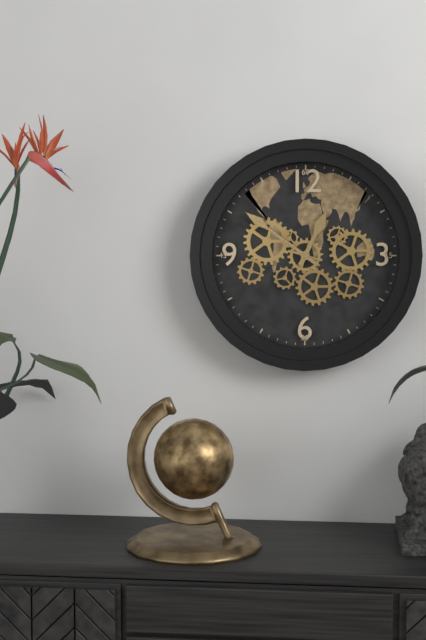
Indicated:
h=12 m=51
